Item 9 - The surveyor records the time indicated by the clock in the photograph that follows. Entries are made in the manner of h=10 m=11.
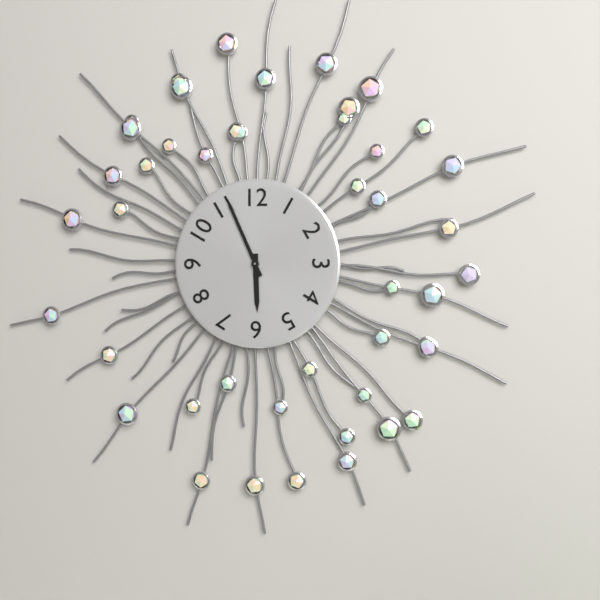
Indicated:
h=5 m=56
